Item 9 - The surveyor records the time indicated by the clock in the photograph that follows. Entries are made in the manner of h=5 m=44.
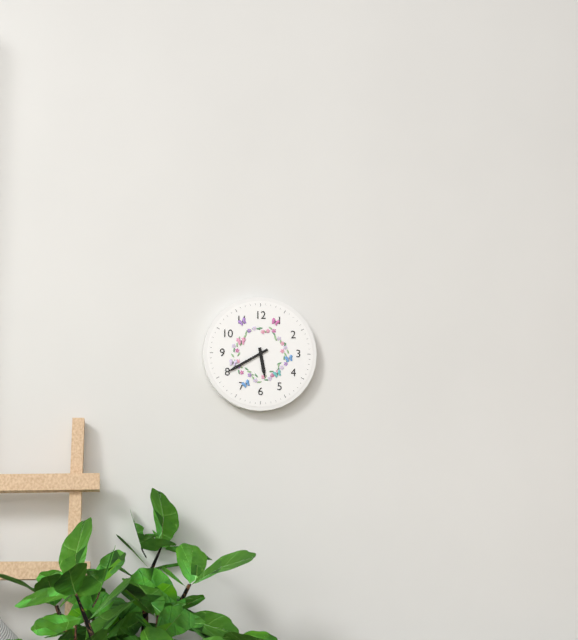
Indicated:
h=5 m=40
